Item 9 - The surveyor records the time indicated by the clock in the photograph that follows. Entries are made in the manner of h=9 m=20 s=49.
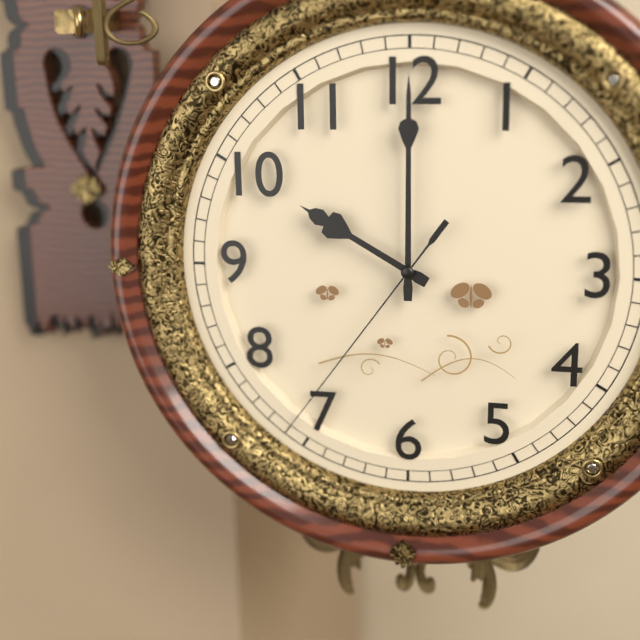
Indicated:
h=10 m=0 s=36
